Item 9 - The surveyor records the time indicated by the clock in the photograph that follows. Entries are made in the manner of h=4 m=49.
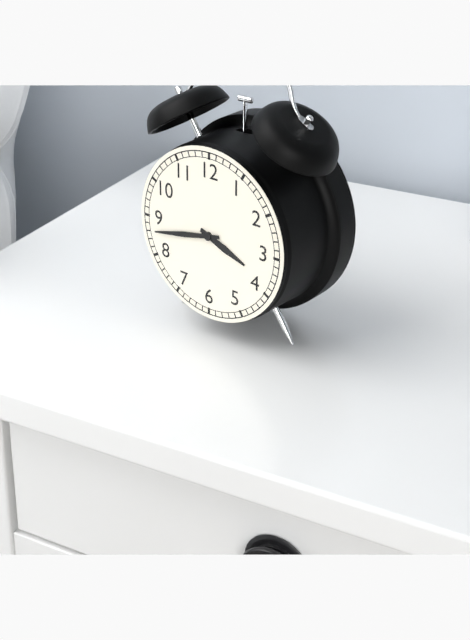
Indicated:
h=3 m=43
